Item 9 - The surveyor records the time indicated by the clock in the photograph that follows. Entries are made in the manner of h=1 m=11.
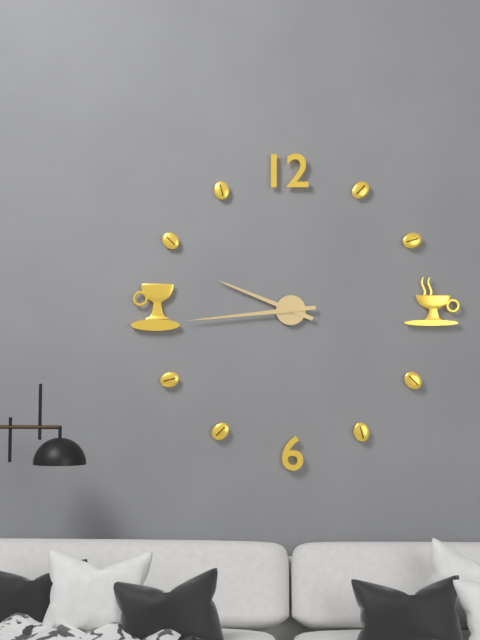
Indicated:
h=9 m=44
